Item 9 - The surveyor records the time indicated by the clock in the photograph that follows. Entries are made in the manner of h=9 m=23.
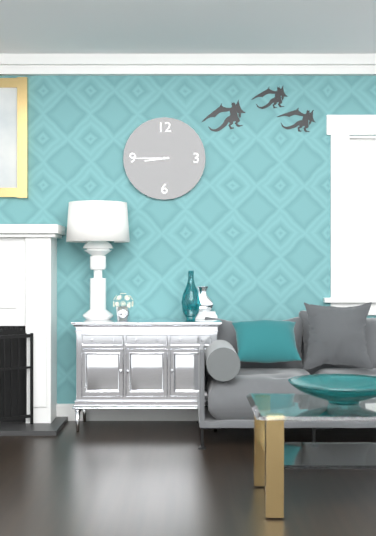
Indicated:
h=8 m=45
